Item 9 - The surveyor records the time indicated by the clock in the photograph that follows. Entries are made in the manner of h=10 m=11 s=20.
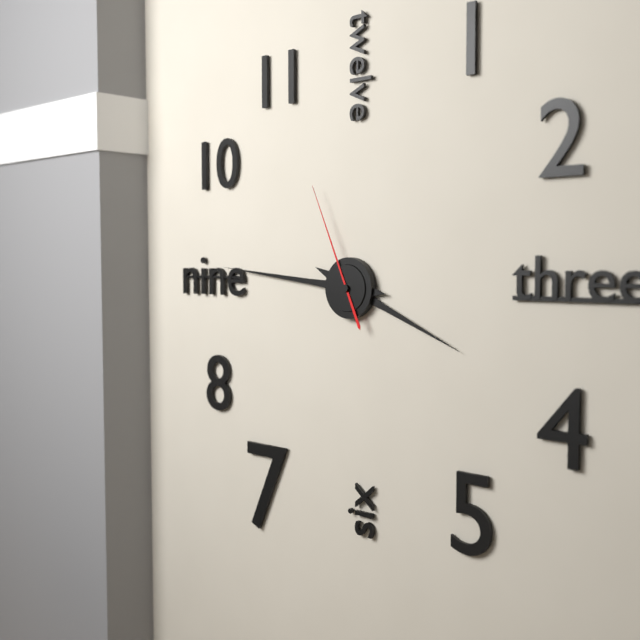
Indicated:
h=3 m=46 s=56
